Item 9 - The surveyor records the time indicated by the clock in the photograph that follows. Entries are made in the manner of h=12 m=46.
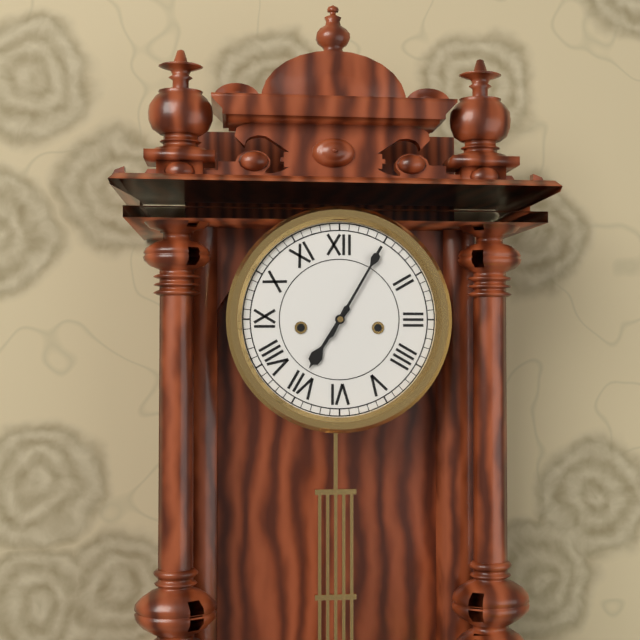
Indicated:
h=7 m=5
